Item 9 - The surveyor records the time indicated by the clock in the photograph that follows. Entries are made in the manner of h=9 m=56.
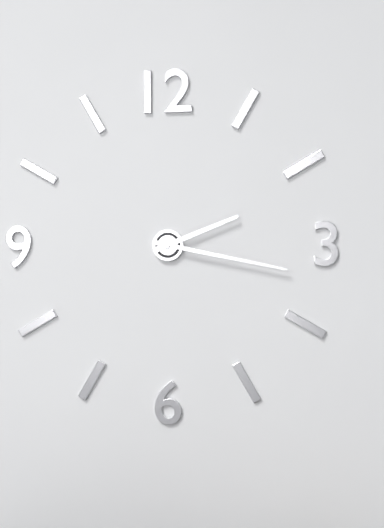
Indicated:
h=2 m=17
